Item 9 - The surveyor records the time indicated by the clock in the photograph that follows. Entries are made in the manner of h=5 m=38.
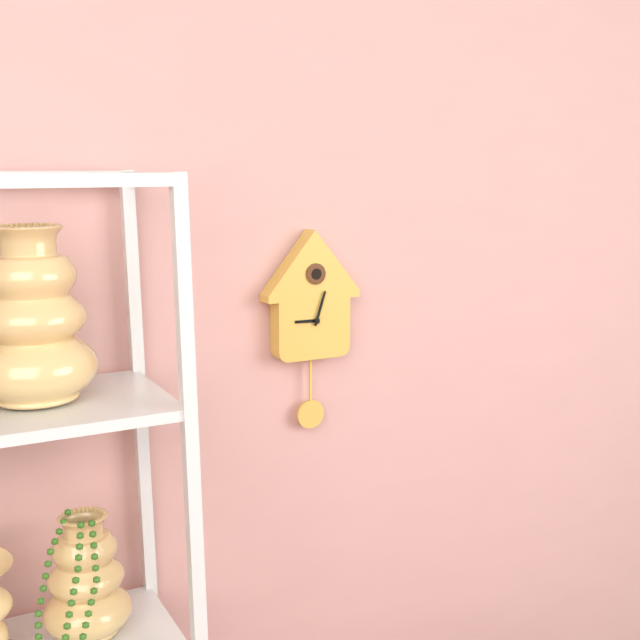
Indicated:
h=9 m=3
